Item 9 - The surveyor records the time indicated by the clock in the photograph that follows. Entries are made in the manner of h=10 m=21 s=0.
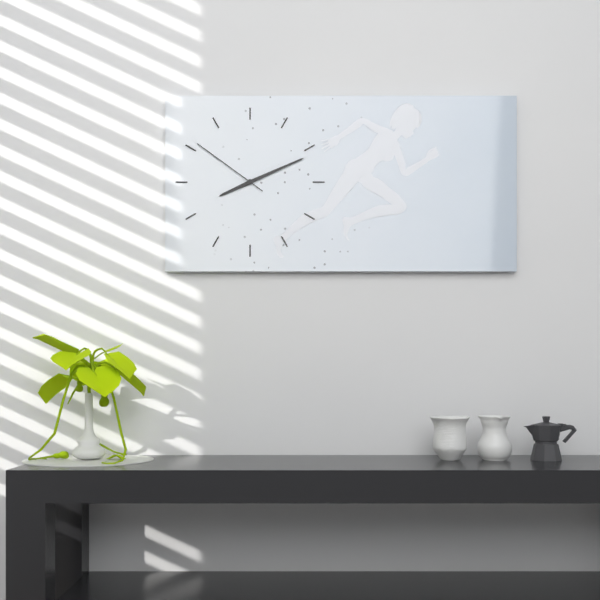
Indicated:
h=8 m=11 s=51
